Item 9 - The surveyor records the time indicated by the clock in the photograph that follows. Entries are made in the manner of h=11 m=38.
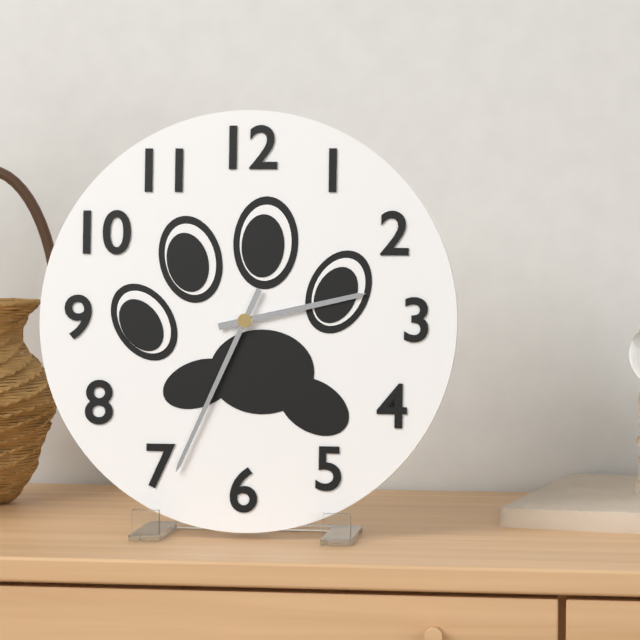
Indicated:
h=2 m=34
